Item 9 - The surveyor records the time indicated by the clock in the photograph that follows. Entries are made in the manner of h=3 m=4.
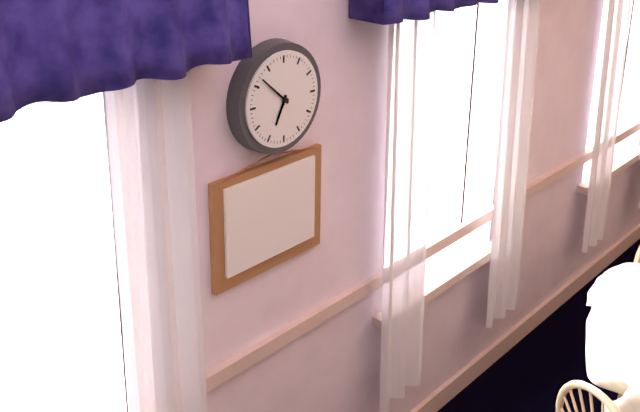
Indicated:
h=6 m=52
